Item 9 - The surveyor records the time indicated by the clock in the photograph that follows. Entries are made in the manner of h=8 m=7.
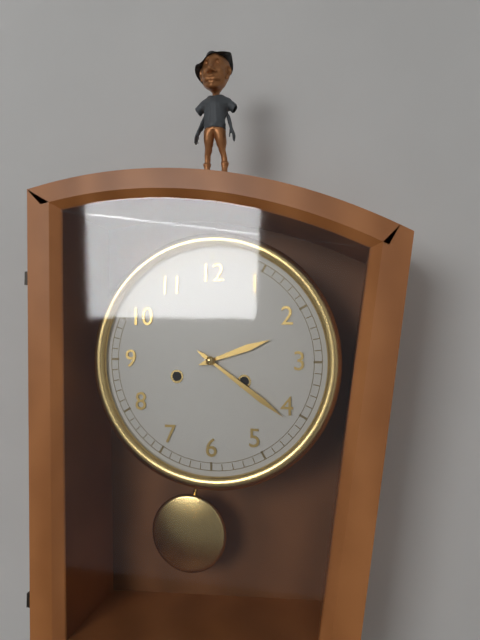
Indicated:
h=2 m=21
